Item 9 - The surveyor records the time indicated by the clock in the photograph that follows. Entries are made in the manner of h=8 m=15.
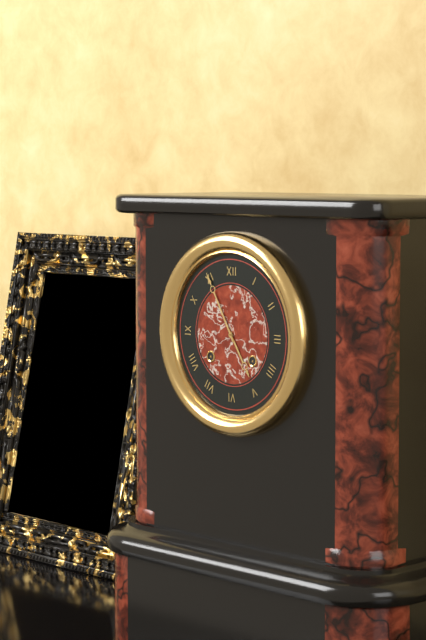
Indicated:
h=4 m=55
